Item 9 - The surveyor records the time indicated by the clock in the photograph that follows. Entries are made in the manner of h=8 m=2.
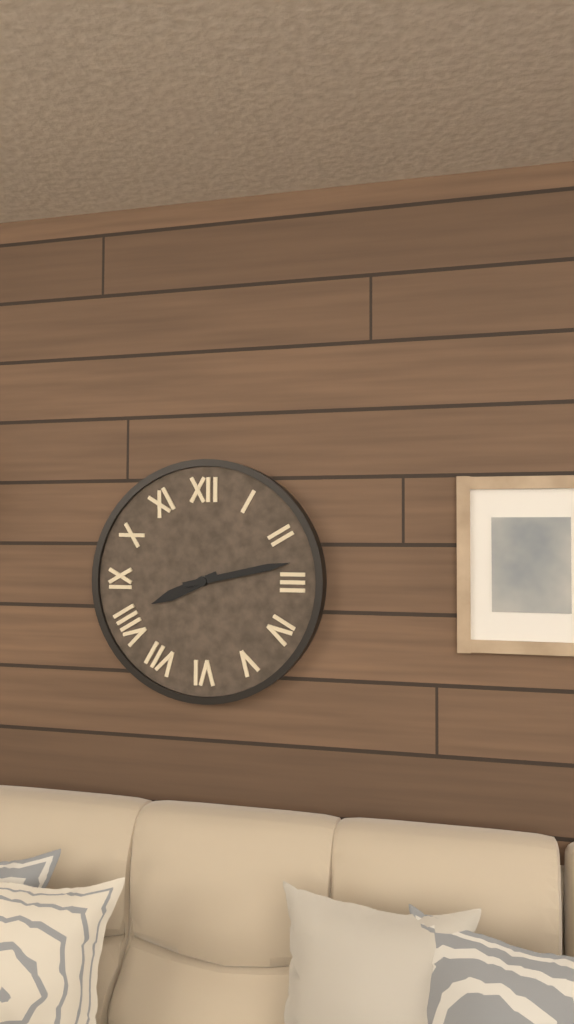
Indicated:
h=8 m=13
